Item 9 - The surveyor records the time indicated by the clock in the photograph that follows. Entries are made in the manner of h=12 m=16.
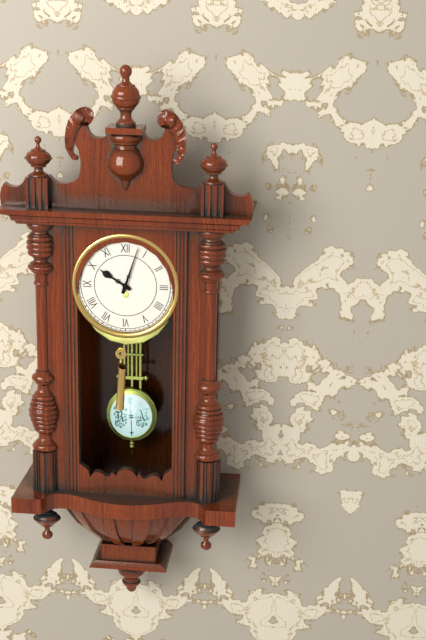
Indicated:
h=10 m=3
